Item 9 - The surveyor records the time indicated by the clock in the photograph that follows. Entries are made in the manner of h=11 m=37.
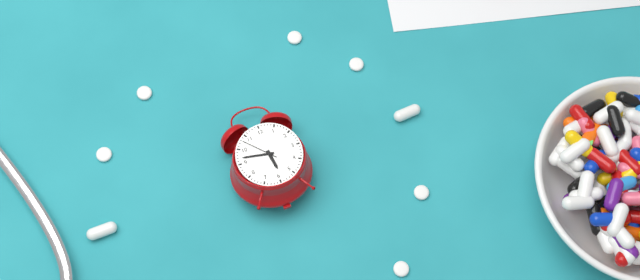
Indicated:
h=5 m=47
